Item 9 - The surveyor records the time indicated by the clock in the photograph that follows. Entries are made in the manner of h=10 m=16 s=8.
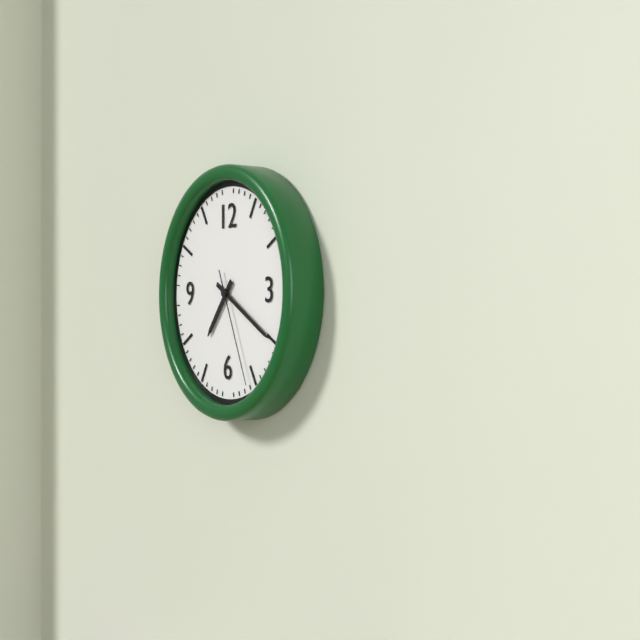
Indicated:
h=7 m=20 s=26
